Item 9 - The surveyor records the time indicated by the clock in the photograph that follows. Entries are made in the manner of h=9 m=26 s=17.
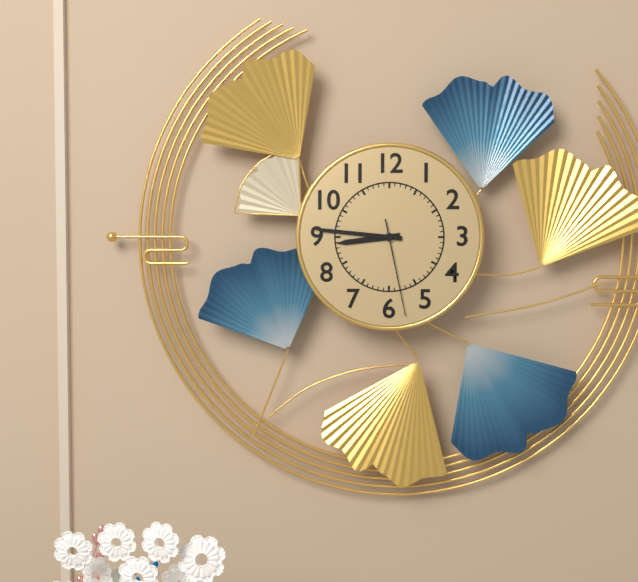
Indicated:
h=8 m=46 s=28
